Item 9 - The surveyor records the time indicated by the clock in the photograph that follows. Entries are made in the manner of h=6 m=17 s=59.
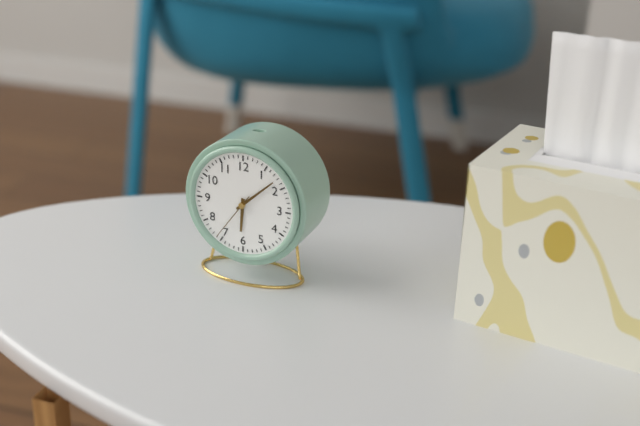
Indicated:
h=6 m=8 s=36
